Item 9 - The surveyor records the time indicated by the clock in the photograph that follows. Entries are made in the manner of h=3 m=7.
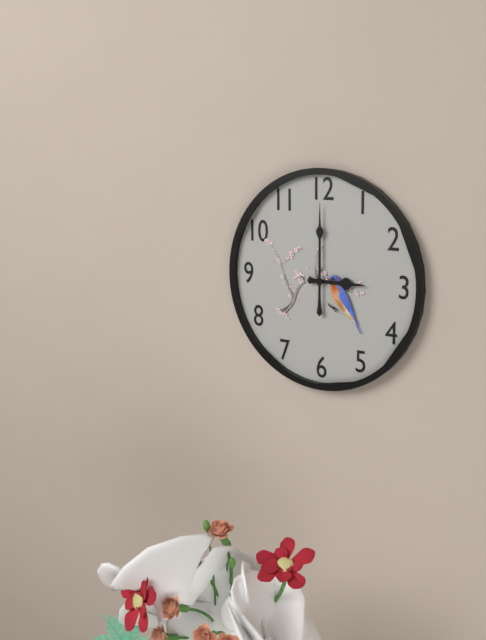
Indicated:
h=3 m=0
